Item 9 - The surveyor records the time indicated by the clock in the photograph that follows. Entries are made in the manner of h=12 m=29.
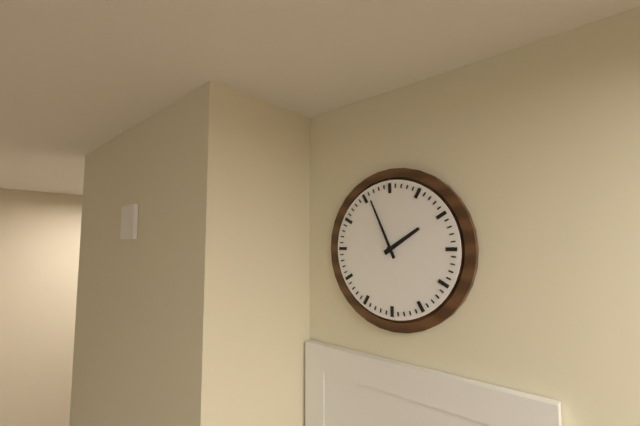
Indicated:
h=1 m=56
